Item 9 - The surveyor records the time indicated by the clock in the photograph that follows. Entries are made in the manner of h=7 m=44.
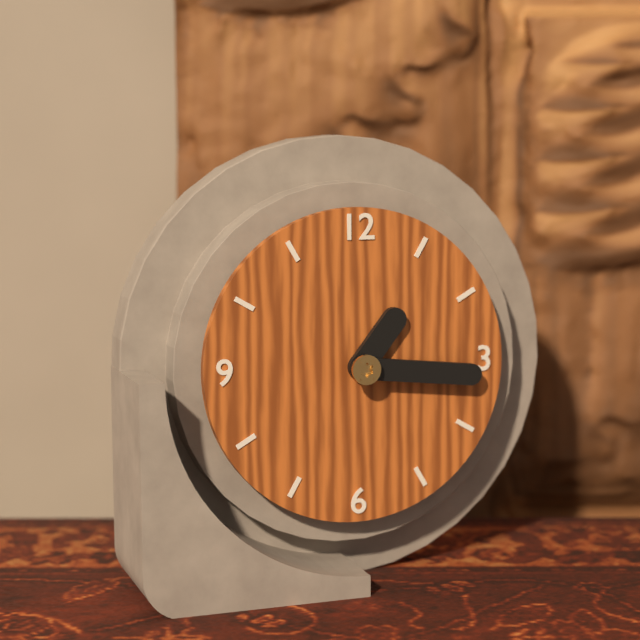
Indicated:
h=1 m=16
